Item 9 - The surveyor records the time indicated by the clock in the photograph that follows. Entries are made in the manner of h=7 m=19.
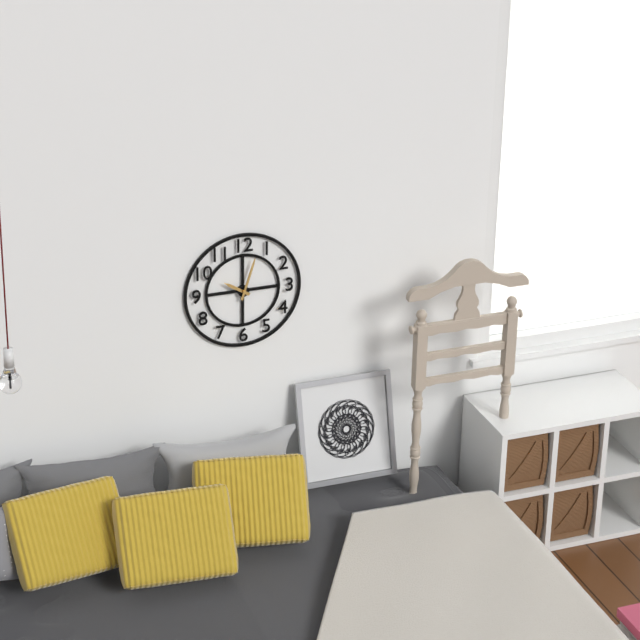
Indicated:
h=10 m=3
